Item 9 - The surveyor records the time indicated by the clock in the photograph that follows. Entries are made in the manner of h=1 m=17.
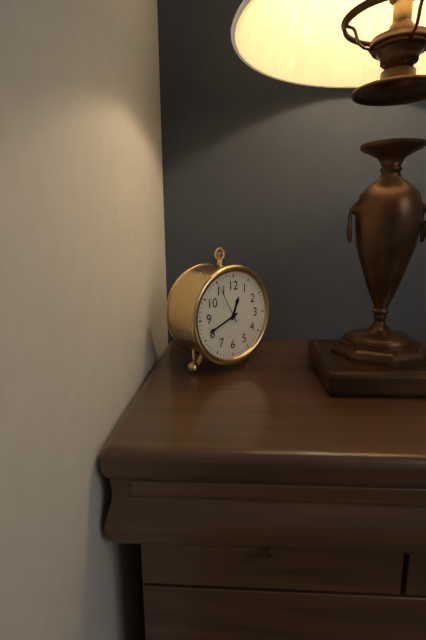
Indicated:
h=12 m=41
